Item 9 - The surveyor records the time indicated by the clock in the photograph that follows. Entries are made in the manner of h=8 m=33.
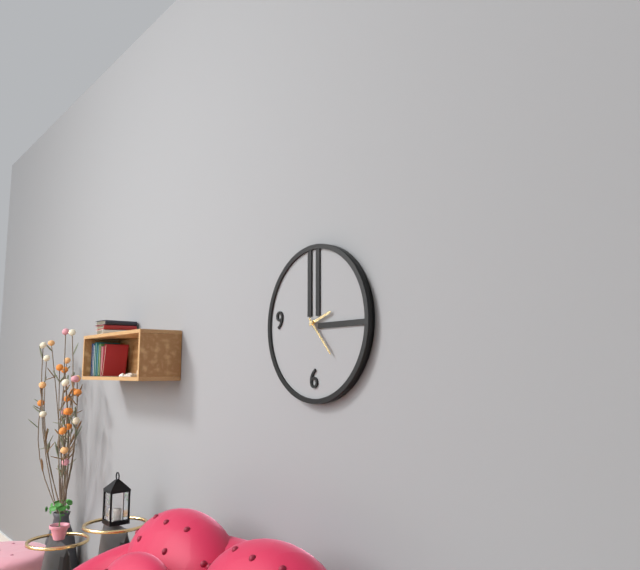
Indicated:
h=2 m=23
